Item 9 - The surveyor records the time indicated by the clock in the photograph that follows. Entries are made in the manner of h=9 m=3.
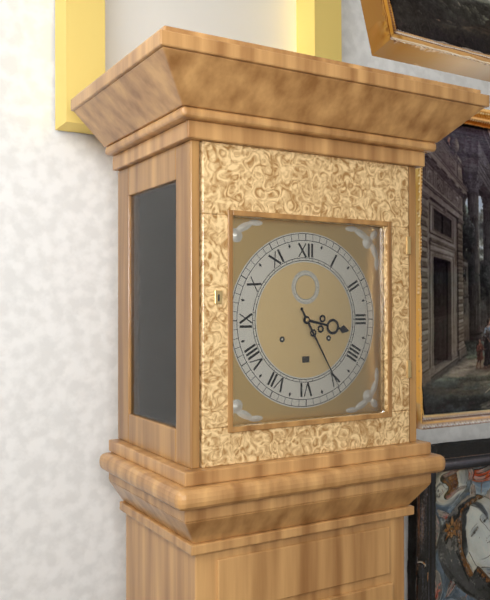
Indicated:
h=3 m=25
